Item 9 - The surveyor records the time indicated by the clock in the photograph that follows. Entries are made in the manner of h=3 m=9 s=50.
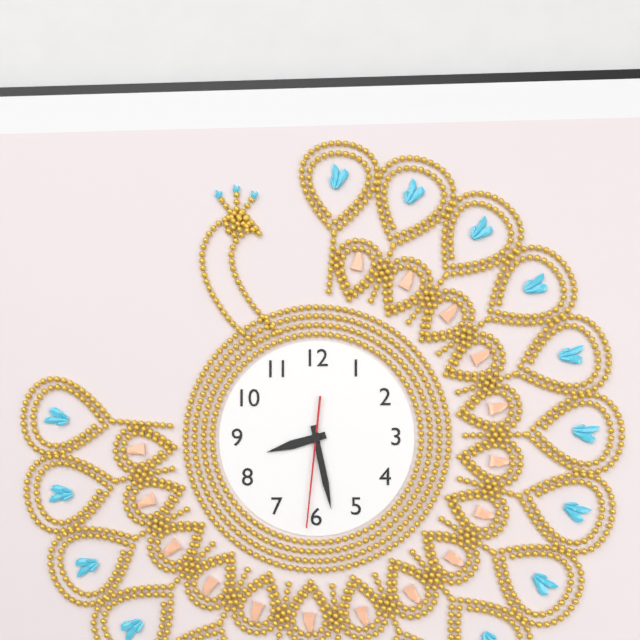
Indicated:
h=8 m=28 s=31
